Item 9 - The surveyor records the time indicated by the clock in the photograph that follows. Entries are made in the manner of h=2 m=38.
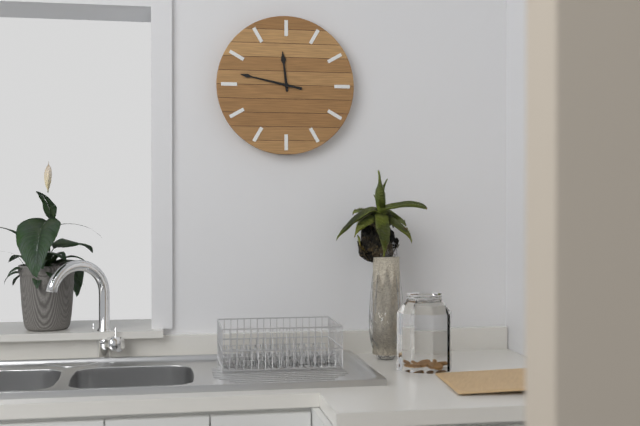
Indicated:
h=11 m=47
